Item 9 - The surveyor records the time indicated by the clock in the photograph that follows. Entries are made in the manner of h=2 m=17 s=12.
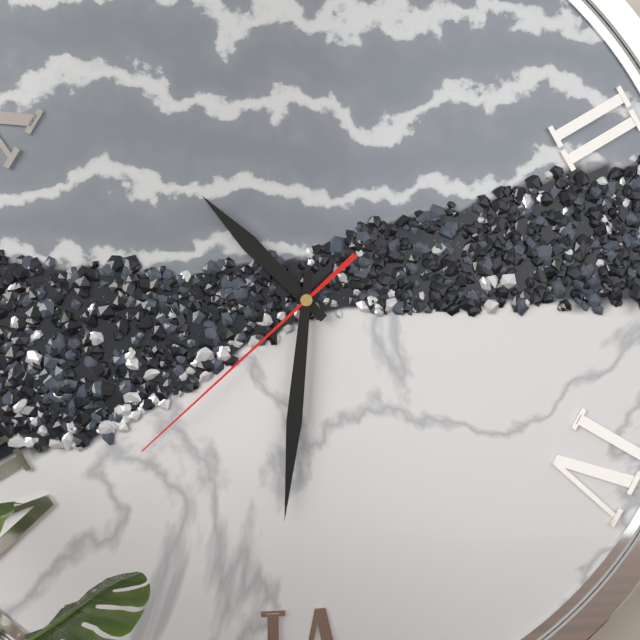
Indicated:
h=10 m=31 s=38
